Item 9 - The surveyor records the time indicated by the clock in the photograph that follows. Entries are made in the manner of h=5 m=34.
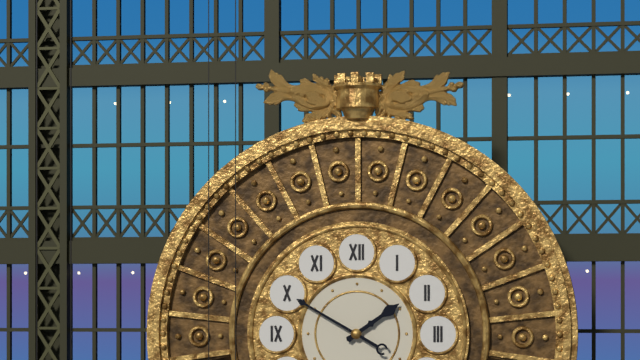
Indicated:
h=1 m=50
